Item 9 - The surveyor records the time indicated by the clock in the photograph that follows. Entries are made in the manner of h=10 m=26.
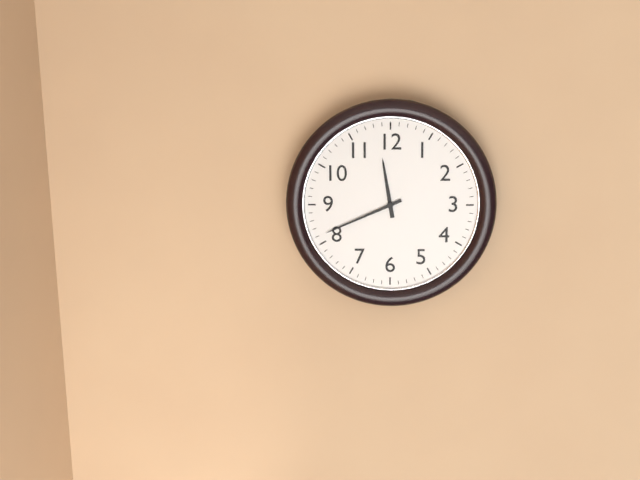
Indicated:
h=11 m=41
